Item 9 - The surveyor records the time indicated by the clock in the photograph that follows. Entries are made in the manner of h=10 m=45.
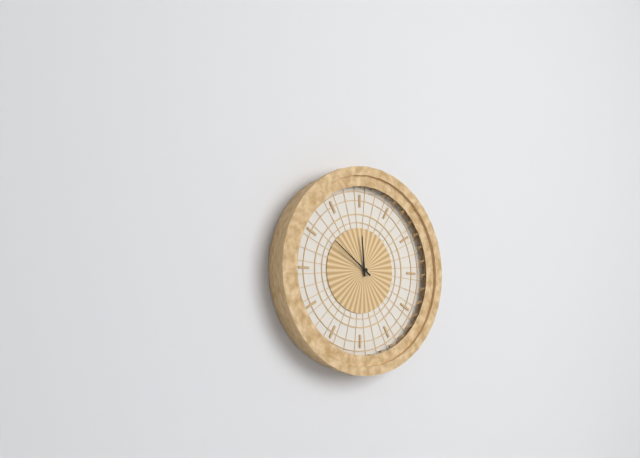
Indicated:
h=11 m=51
